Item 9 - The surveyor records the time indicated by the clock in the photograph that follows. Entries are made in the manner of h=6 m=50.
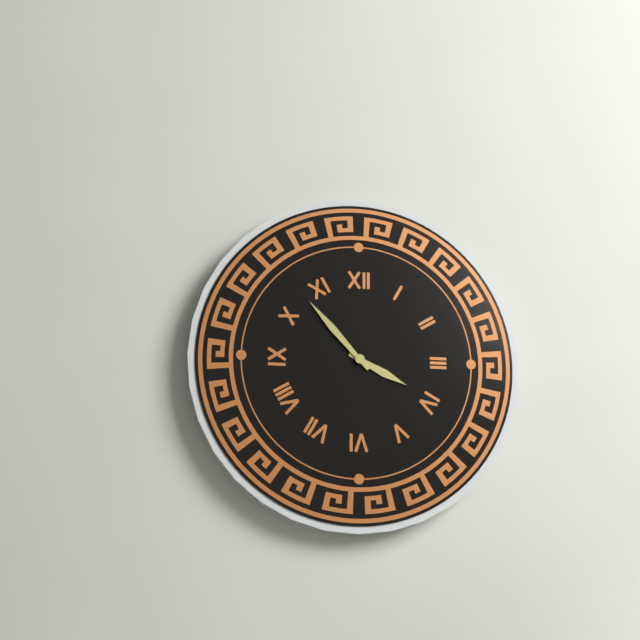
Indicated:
h=3 m=53
